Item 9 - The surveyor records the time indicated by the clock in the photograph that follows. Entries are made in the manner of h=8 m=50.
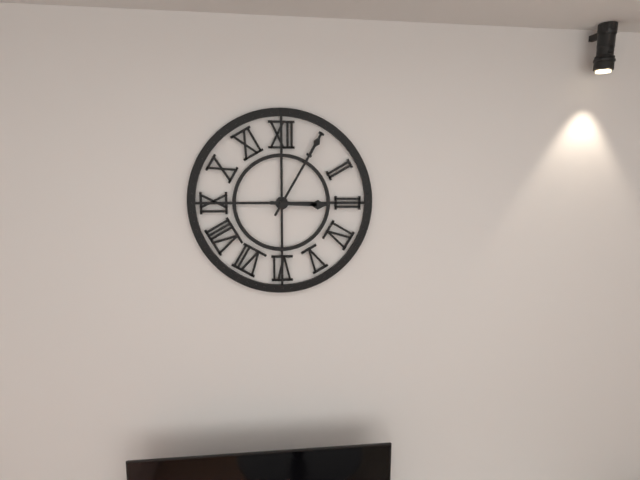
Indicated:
h=3 m=5
